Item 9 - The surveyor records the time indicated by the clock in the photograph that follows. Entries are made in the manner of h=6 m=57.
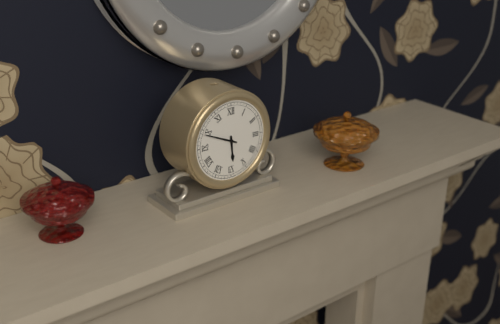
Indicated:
h=5 m=49
